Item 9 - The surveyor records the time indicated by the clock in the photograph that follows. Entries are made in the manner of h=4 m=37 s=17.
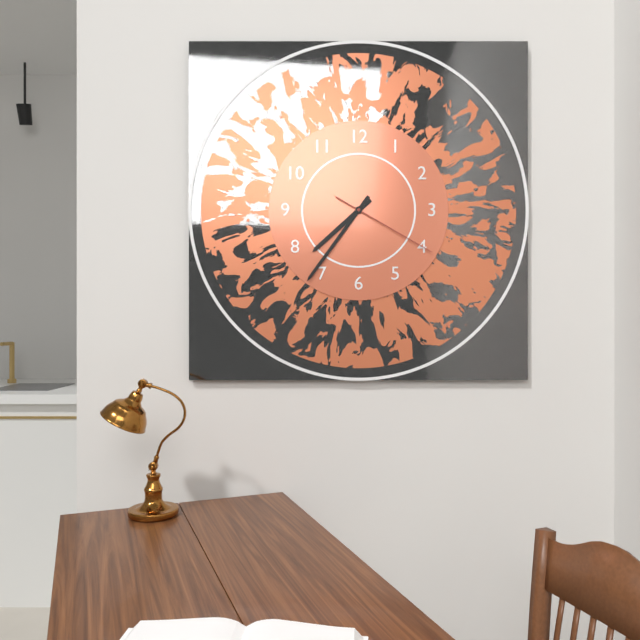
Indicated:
h=7 m=36 s=20
